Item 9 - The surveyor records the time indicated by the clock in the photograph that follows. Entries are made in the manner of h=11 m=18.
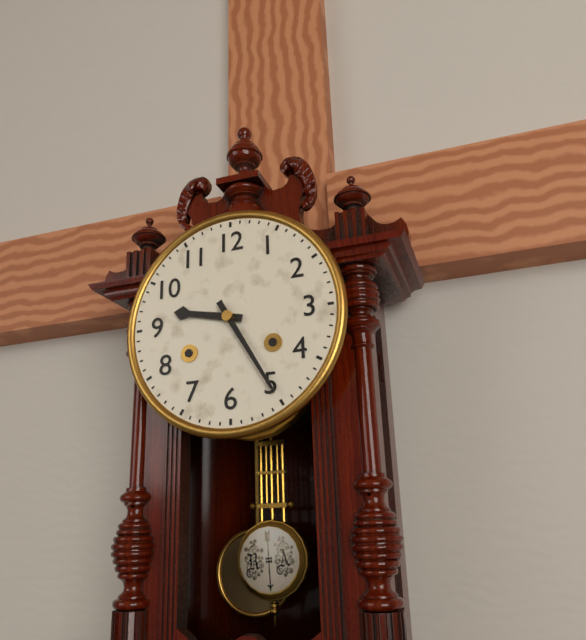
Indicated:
h=9 m=25
